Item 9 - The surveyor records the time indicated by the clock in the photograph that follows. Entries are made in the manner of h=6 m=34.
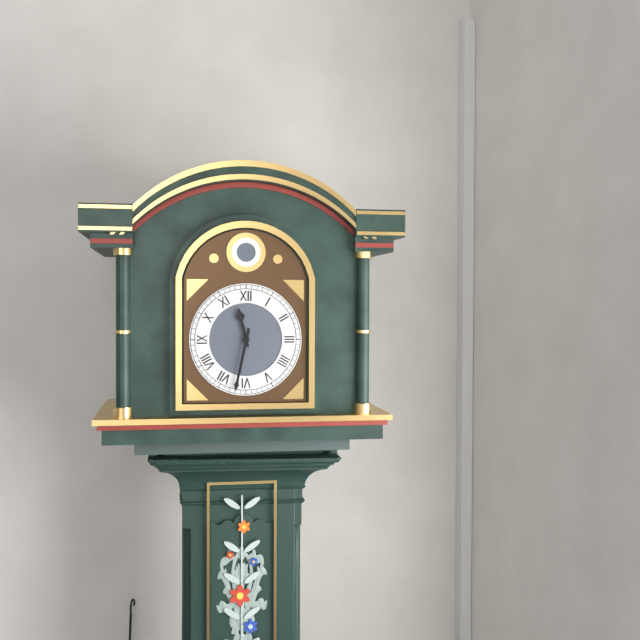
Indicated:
h=11 m=32
